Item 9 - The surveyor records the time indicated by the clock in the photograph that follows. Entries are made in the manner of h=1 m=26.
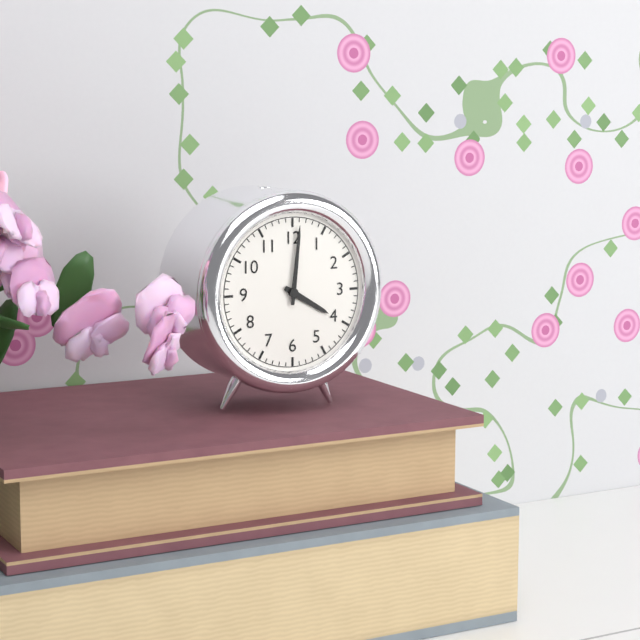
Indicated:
h=4 m=1
